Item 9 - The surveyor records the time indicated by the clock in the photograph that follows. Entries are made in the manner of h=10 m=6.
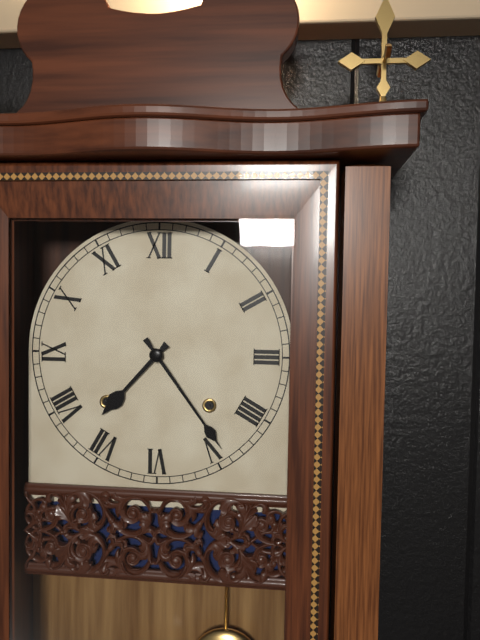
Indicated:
h=7 m=24
